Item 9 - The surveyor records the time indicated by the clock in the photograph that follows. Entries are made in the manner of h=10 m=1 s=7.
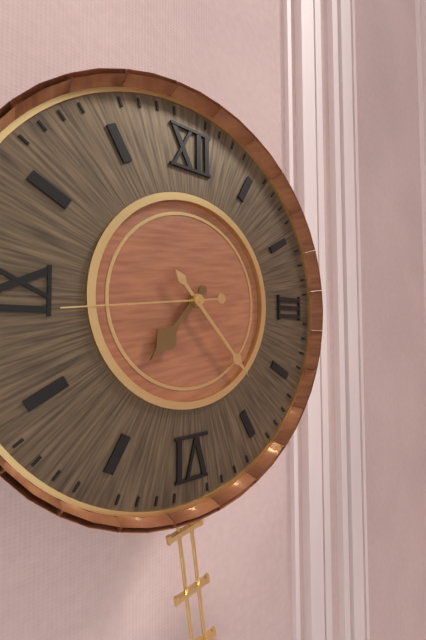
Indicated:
h=7 m=23 s=44
